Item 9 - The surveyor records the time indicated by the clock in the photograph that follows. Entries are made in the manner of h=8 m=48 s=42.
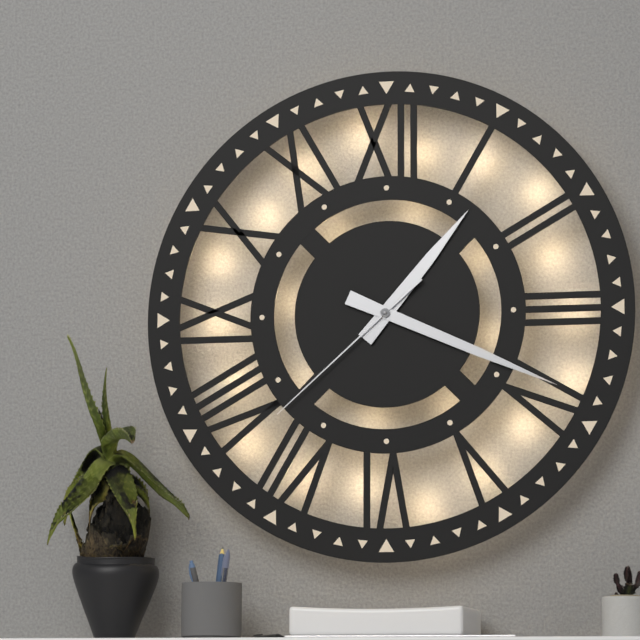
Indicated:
h=1 m=19 s=38
